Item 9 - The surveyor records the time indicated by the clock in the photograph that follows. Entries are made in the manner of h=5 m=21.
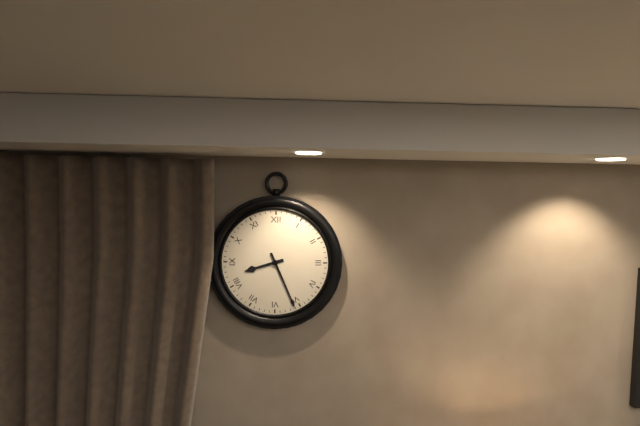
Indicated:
h=8 m=26
